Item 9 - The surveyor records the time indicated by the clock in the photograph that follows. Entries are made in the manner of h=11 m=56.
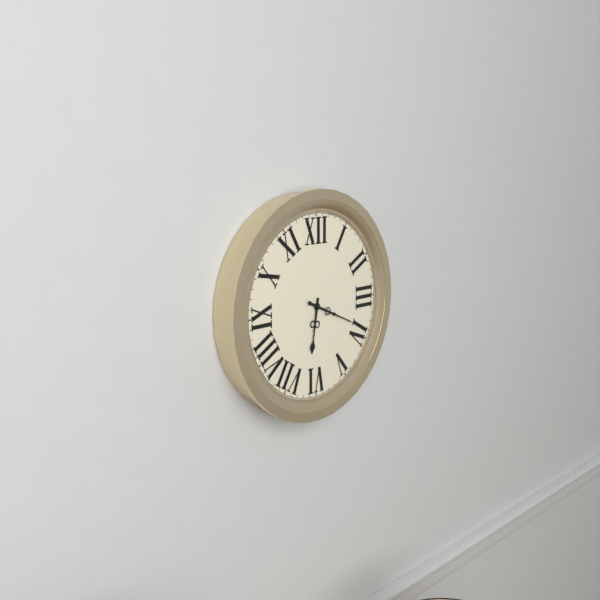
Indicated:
h=6 m=19
